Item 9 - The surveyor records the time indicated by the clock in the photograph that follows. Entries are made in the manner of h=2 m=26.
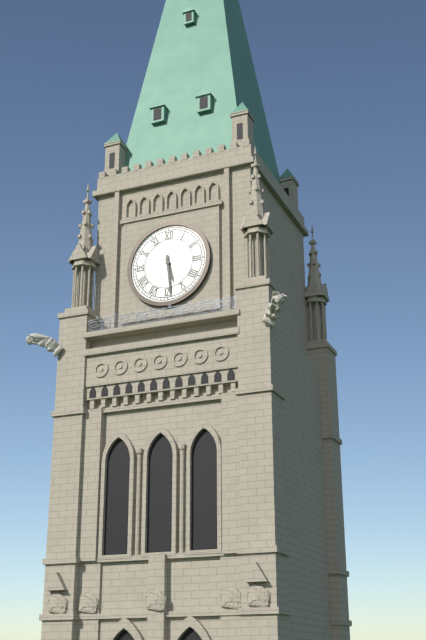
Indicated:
h=5 m=29
